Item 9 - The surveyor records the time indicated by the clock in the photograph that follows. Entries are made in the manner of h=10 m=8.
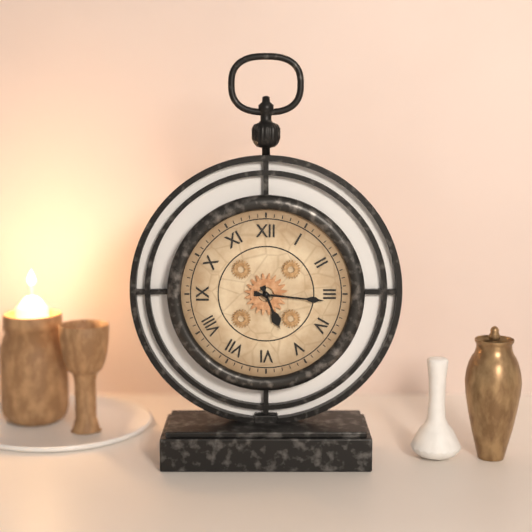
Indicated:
h=5 m=16
